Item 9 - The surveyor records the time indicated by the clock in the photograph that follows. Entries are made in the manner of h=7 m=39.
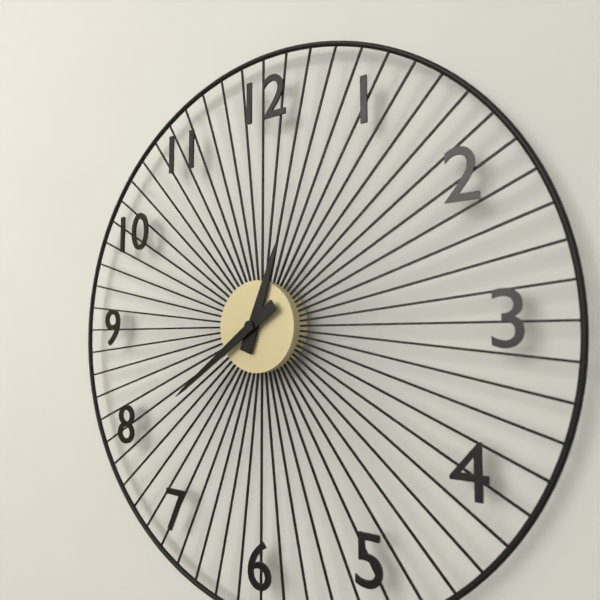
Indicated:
h=12 m=39
